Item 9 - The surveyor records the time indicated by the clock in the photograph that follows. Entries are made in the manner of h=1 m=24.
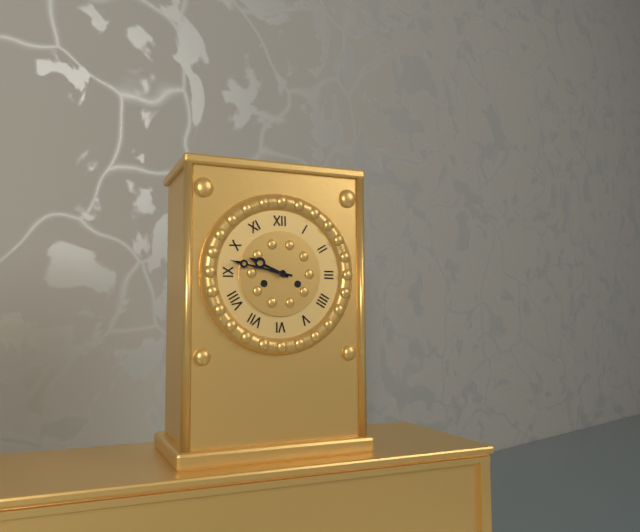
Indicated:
h=9 m=47
